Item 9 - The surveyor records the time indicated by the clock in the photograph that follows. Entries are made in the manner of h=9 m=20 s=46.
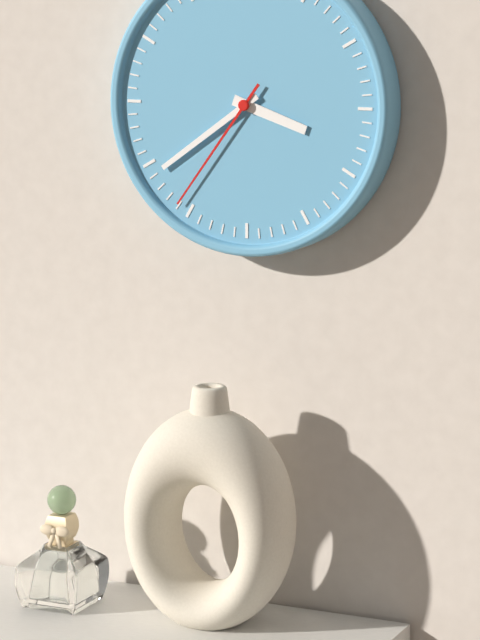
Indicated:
h=3 m=39 s=36
